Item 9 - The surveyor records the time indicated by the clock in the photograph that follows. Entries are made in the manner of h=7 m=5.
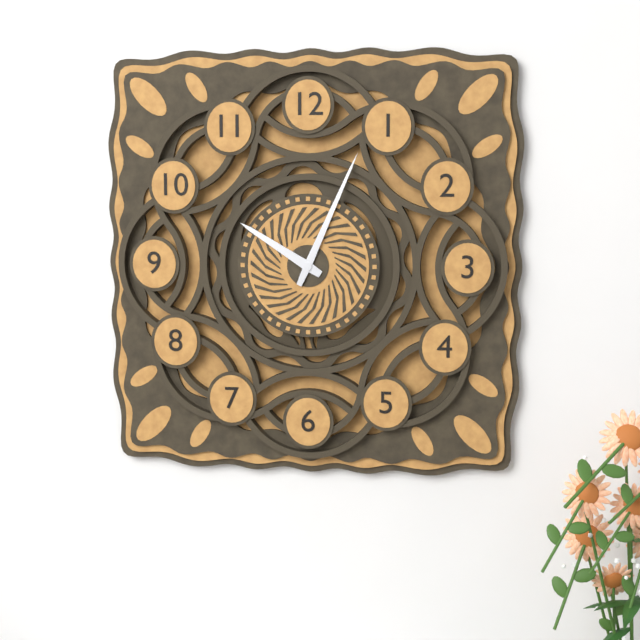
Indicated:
h=10 m=4
